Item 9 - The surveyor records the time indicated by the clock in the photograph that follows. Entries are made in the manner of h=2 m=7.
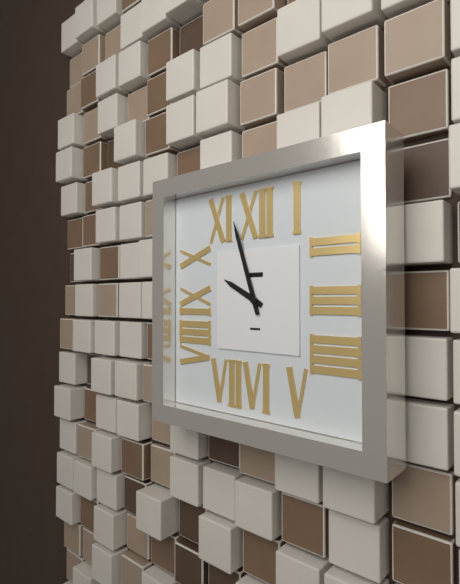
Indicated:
h=9 m=57
